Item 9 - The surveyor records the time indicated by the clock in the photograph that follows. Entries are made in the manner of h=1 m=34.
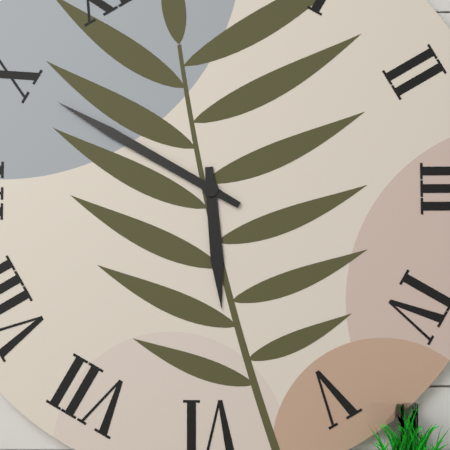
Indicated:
h=5 m=50
